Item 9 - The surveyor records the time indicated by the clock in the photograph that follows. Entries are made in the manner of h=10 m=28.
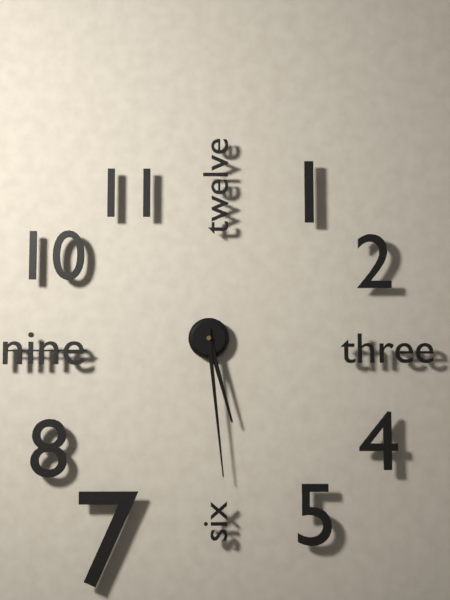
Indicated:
h=5 m=29
